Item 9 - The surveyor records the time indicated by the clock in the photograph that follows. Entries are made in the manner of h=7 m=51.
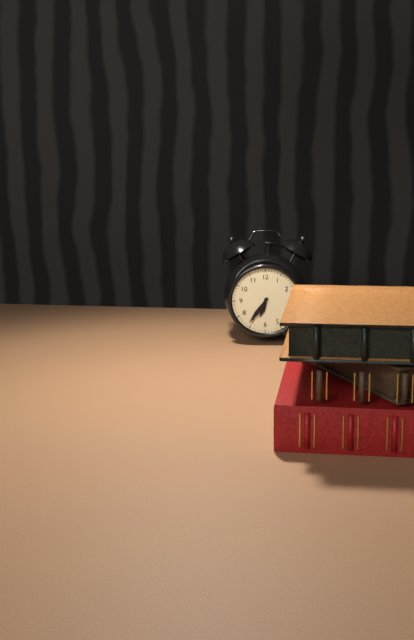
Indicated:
h=6 m=36
